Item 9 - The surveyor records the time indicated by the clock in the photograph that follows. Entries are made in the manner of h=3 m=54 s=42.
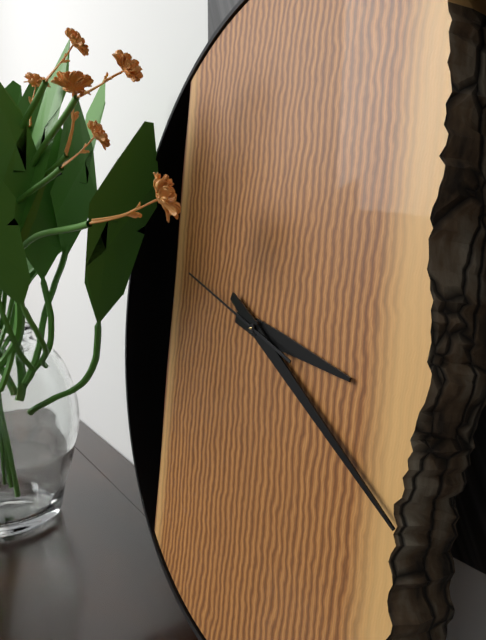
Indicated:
h=3 m=20 s=48
